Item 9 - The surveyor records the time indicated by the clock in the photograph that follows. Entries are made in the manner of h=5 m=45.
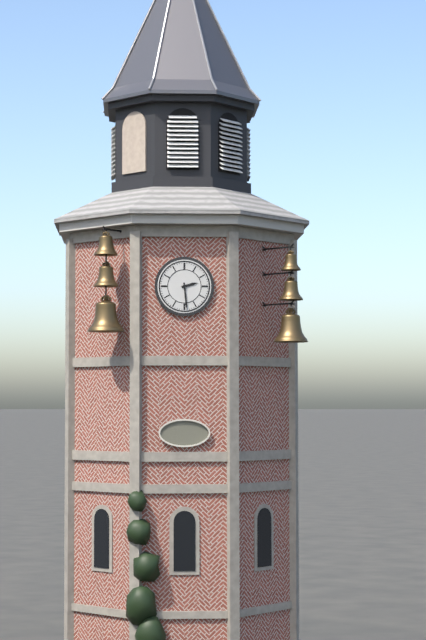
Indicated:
h=2 m=29
